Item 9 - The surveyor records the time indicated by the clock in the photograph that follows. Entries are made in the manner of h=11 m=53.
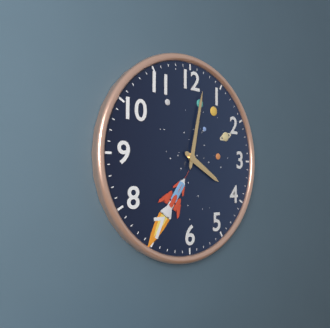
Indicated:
h=4 m=2
